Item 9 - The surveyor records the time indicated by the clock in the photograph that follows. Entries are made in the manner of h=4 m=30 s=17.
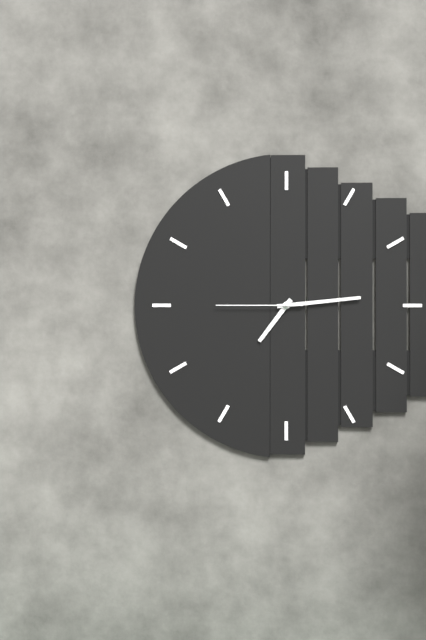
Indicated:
h=7 m=14 s=45
